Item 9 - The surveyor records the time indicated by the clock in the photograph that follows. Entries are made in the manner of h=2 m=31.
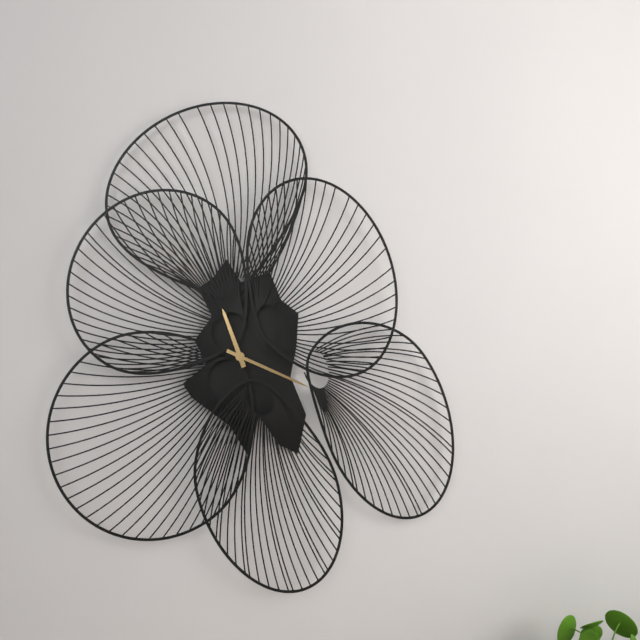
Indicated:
h=11 m=19
